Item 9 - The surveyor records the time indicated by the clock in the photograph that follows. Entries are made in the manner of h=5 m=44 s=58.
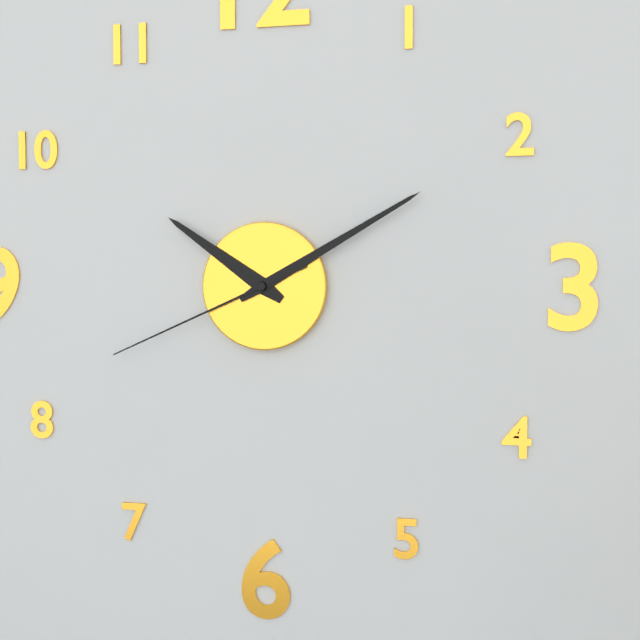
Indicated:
h=10 m=10 s=41
